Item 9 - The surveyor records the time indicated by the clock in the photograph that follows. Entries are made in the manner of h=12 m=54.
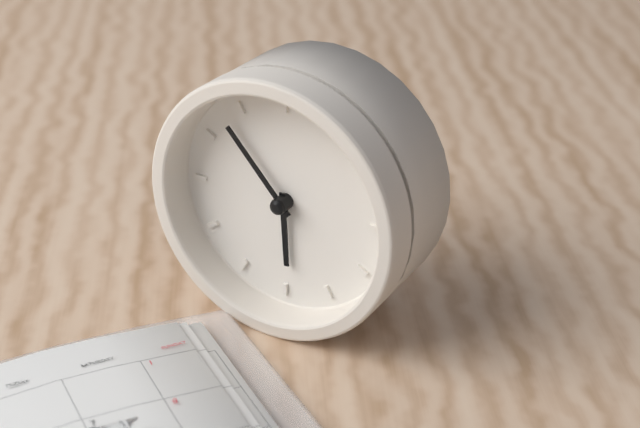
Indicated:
h=5 m=53
